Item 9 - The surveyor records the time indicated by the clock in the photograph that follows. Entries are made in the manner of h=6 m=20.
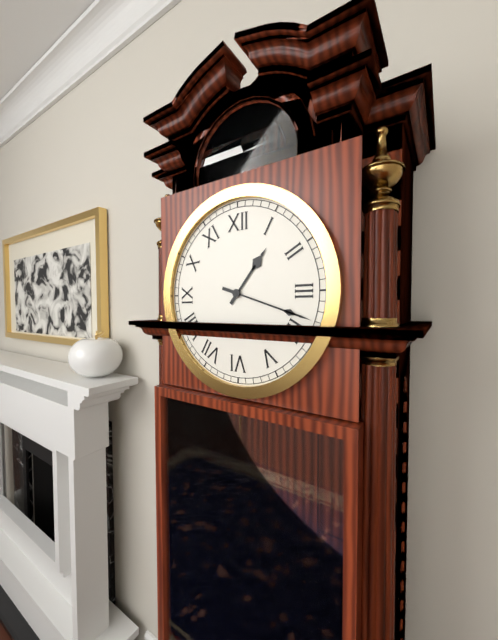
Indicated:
h=1 m=18
